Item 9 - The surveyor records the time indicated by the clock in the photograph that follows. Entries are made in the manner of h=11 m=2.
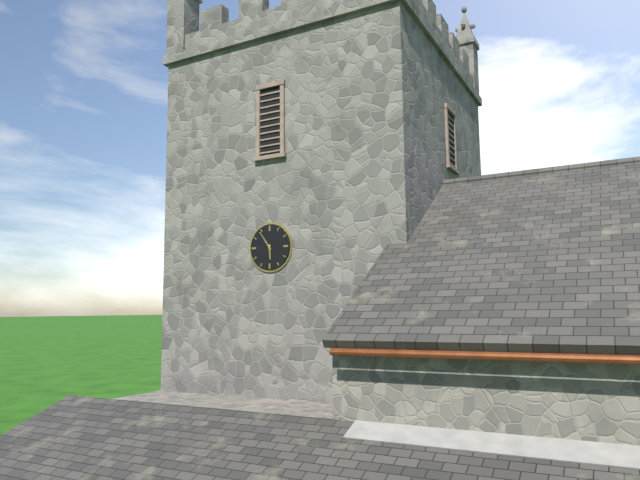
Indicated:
h=5 m=54
